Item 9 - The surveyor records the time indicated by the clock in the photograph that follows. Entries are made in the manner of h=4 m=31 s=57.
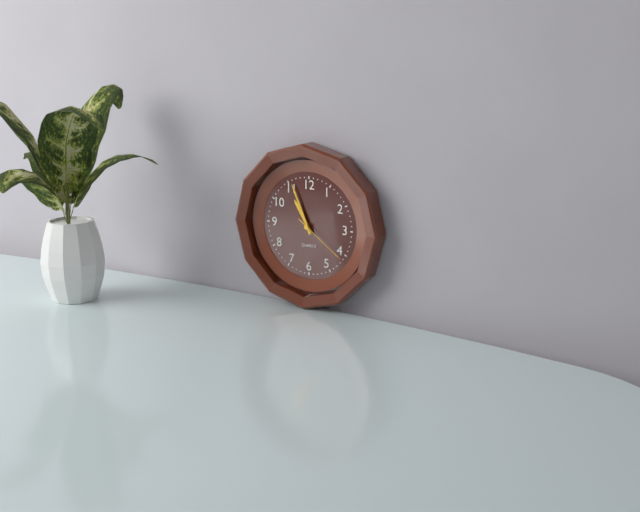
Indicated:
h=10 m=56 s=21
